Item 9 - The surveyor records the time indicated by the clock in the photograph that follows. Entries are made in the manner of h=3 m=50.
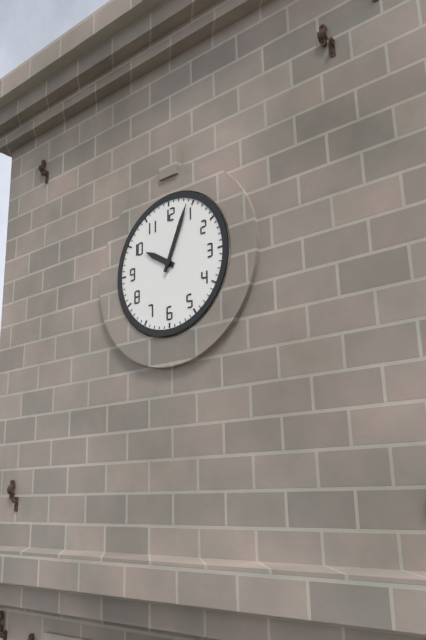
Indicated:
h=10 m=4
